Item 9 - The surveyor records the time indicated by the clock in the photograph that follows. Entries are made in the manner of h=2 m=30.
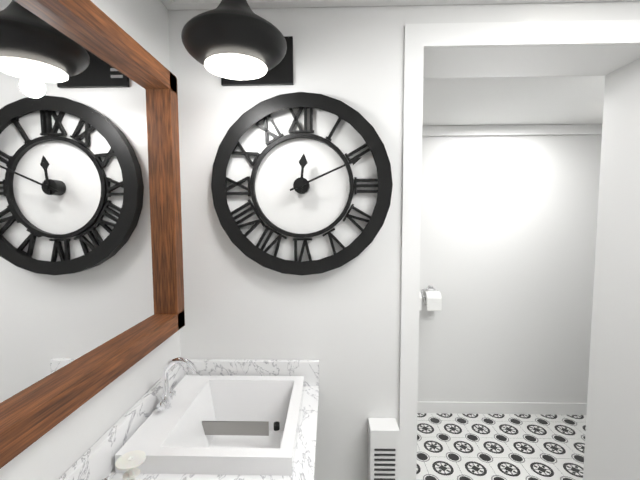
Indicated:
h=12 m=11
